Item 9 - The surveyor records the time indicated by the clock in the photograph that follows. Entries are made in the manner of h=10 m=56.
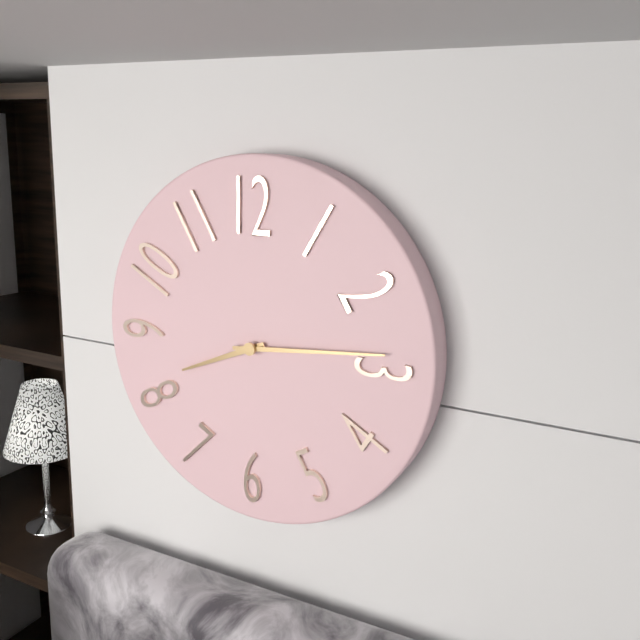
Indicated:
h=8 m=14
